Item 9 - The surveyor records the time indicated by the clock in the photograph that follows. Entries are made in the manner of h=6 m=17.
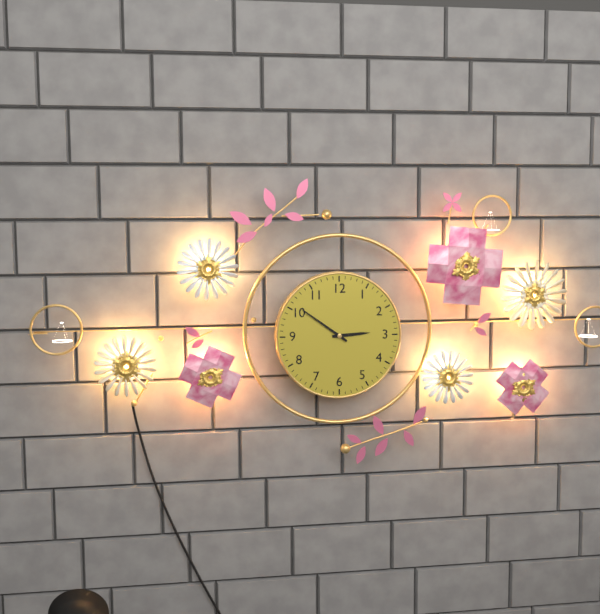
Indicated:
h=2 m=51
